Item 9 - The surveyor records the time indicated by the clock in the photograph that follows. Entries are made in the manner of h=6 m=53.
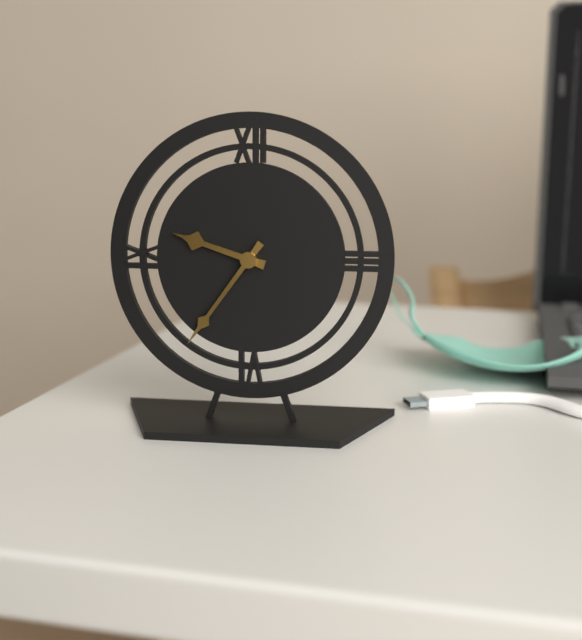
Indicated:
h=9 m=36
